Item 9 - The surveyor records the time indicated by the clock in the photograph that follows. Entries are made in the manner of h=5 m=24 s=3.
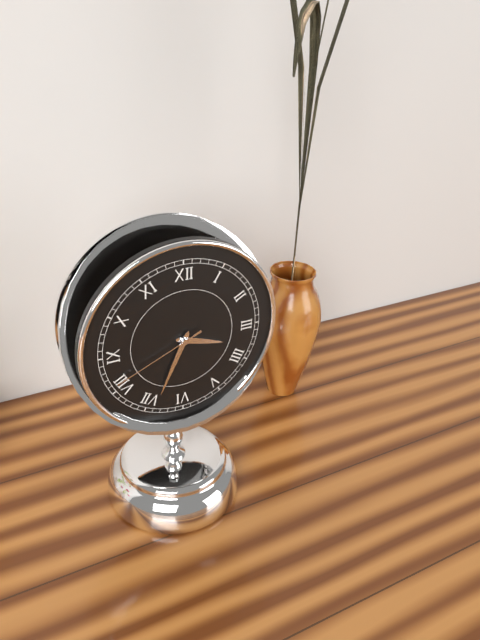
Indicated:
h=3 m=34 s=41
